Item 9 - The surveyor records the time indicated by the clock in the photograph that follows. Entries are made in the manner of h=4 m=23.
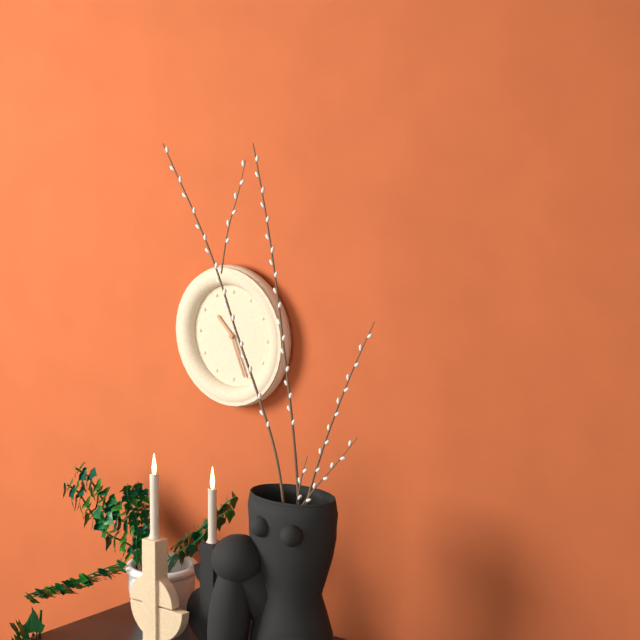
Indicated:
h=10 m=26
